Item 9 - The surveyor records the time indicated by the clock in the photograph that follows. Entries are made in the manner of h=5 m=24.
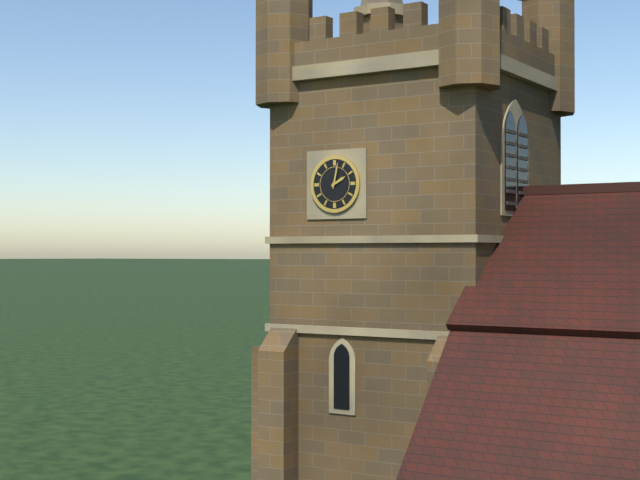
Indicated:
h=2 m=2
